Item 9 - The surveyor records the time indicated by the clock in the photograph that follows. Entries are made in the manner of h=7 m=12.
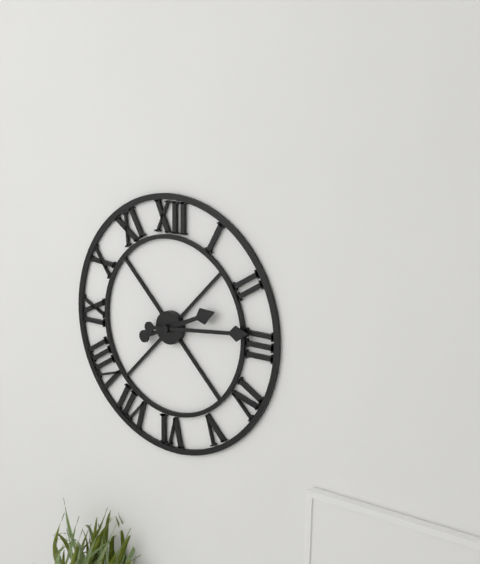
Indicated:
h=2 m=14
